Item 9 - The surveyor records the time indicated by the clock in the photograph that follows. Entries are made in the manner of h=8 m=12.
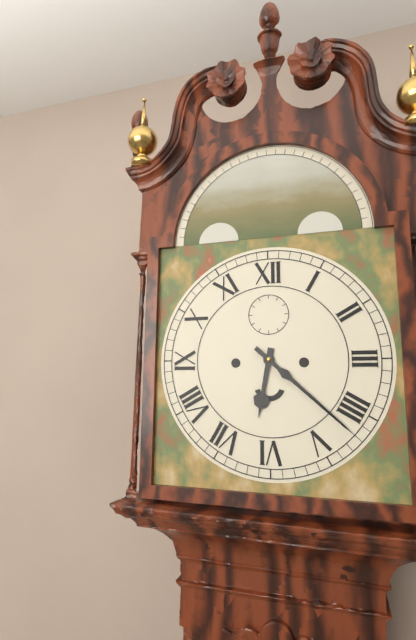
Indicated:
h=6 m=22
